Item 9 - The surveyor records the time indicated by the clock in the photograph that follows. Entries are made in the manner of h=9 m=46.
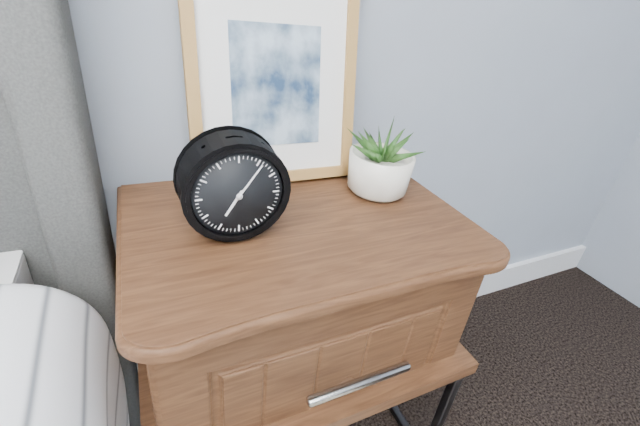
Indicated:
h=7 m=6
